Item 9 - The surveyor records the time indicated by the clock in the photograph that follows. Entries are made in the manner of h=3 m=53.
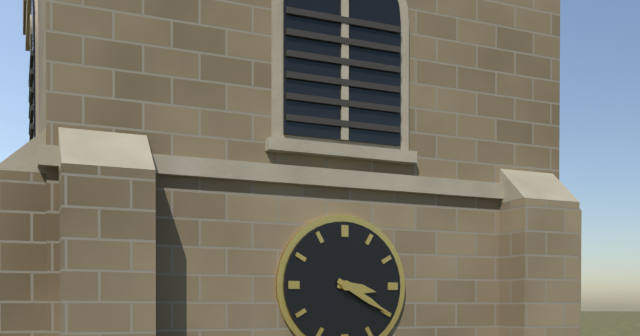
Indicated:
h=3 m=20
